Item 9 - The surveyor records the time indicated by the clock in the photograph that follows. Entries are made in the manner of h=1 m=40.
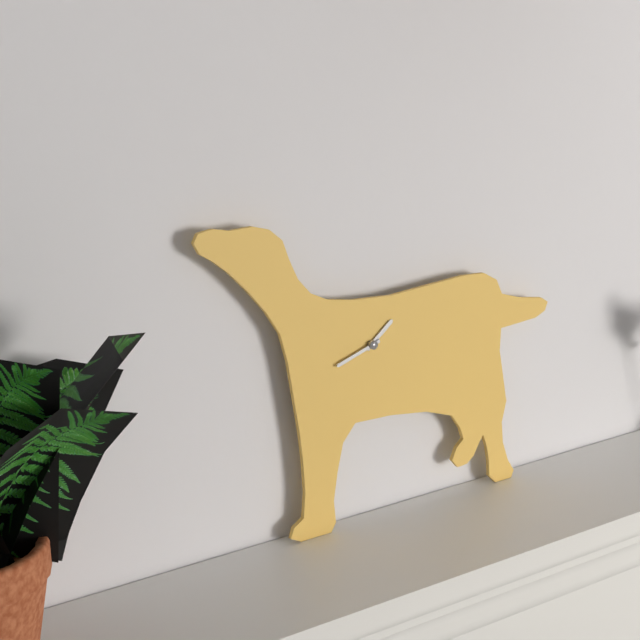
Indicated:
h=1 m=42
